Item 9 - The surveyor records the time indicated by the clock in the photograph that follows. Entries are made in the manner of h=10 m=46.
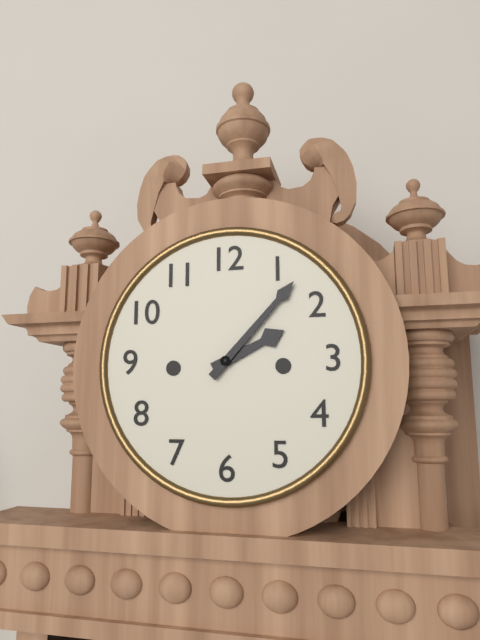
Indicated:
h=2 m=7
